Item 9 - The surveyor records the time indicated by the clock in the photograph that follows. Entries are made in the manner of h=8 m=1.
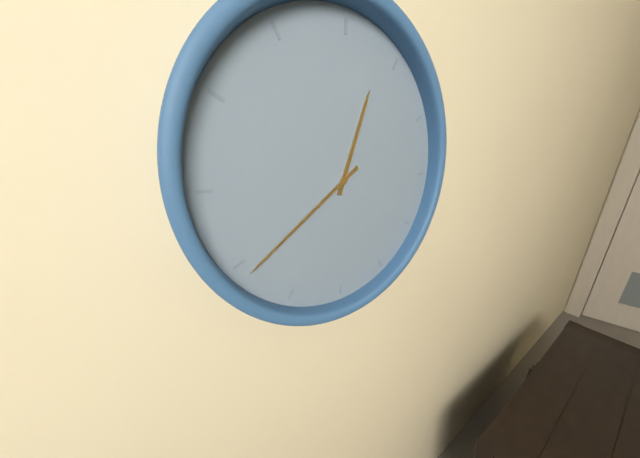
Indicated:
h=12 m=39
